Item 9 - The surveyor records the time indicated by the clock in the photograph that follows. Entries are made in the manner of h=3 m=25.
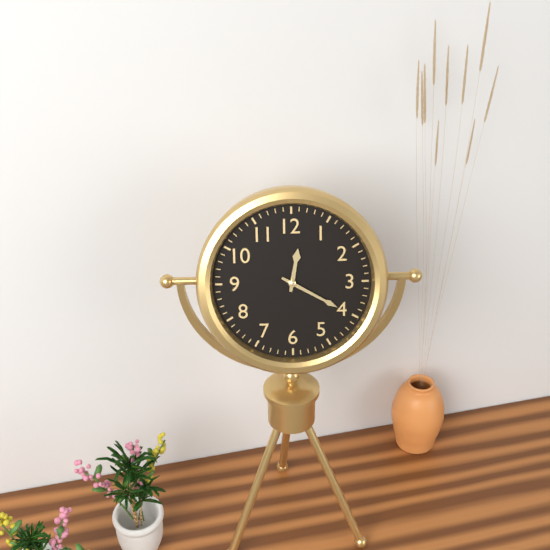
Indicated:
h=12 m=20
